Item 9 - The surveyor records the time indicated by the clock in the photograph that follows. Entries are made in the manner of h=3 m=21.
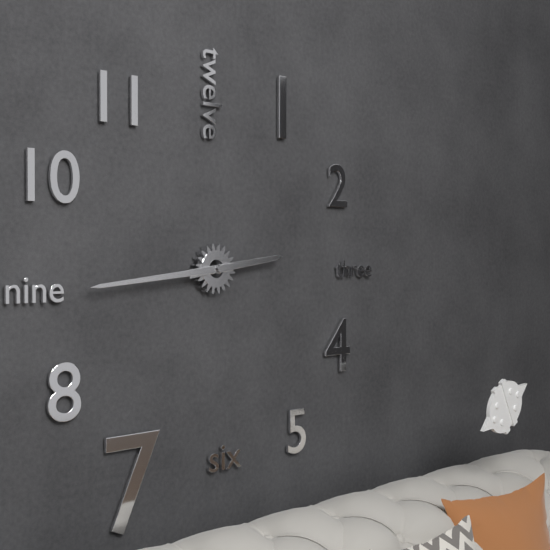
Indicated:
h=2 m=44
